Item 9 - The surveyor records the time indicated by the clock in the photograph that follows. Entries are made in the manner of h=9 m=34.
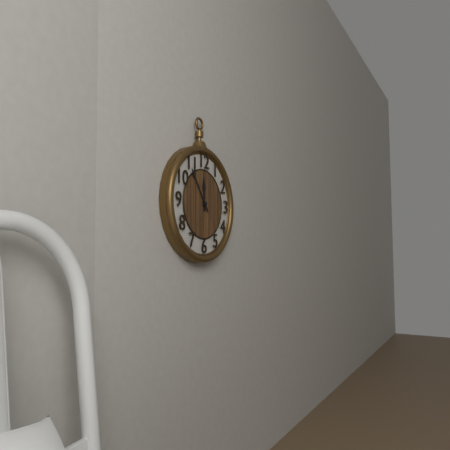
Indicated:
h=11 m=54
